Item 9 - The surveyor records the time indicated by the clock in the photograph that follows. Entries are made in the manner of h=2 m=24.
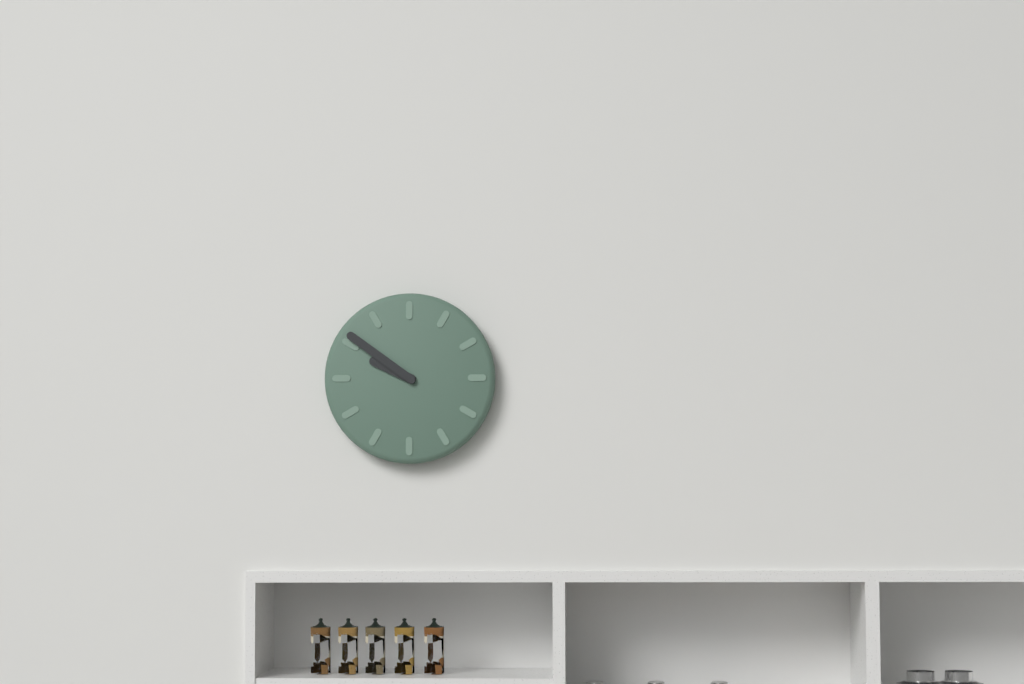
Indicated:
h=9 m=51
